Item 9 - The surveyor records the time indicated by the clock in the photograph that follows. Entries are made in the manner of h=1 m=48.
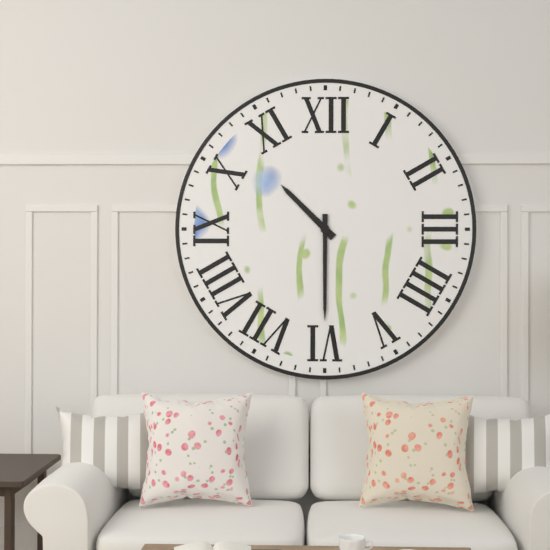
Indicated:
h=10 m=30
